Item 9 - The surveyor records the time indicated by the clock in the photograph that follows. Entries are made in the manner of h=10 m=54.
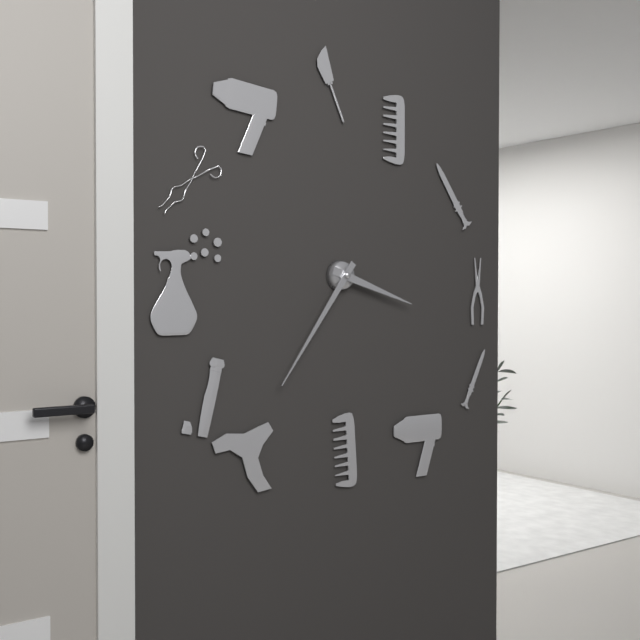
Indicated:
h=3 m=36
